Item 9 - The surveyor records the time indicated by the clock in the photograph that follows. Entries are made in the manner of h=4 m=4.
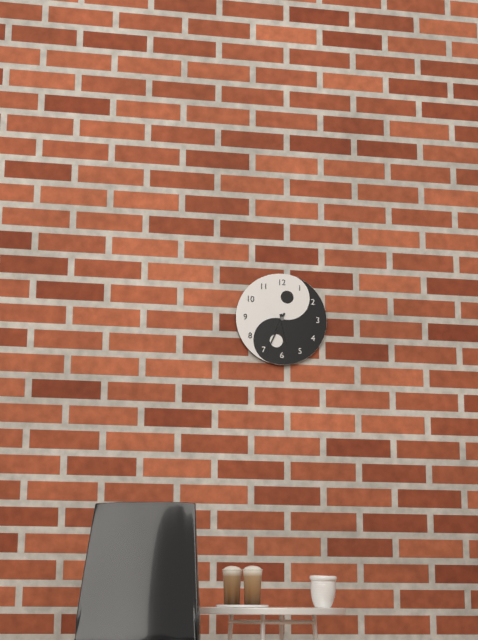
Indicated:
h=5 m=34
